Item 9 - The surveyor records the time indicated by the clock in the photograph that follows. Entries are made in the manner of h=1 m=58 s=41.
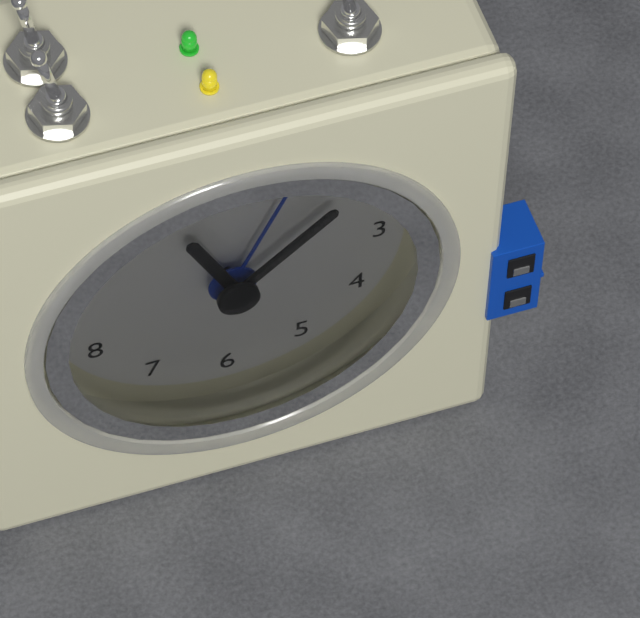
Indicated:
h=11 m=8 s=4
